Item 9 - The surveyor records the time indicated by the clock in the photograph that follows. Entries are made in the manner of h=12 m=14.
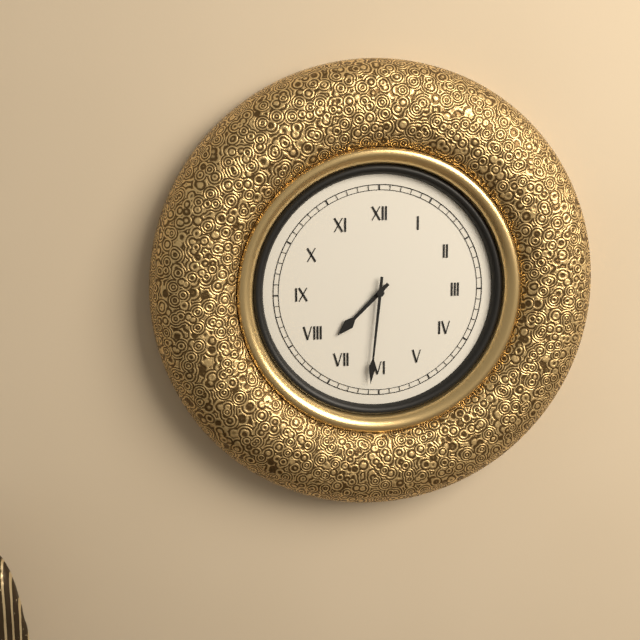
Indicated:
h=7 m=31
